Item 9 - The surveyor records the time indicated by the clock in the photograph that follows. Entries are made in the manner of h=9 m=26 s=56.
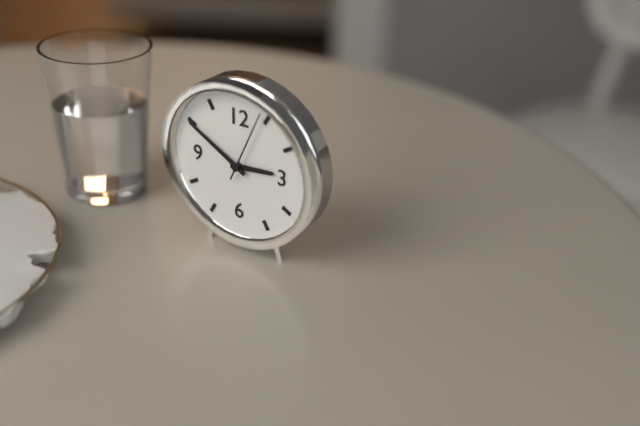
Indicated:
h=2 m=50 s=4
